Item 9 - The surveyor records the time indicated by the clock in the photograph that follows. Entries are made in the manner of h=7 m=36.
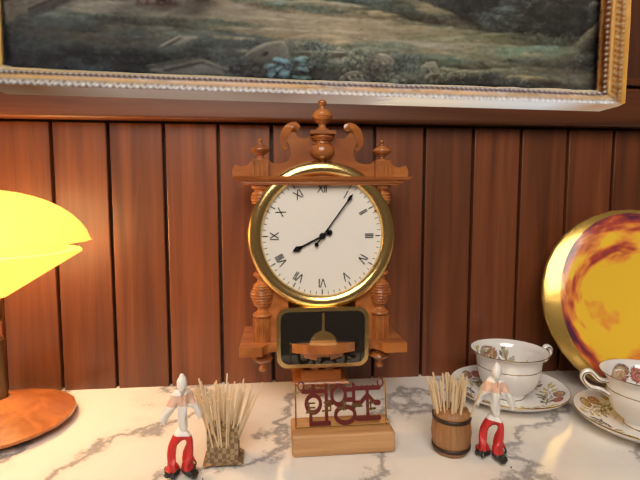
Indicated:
h=8 m=6
